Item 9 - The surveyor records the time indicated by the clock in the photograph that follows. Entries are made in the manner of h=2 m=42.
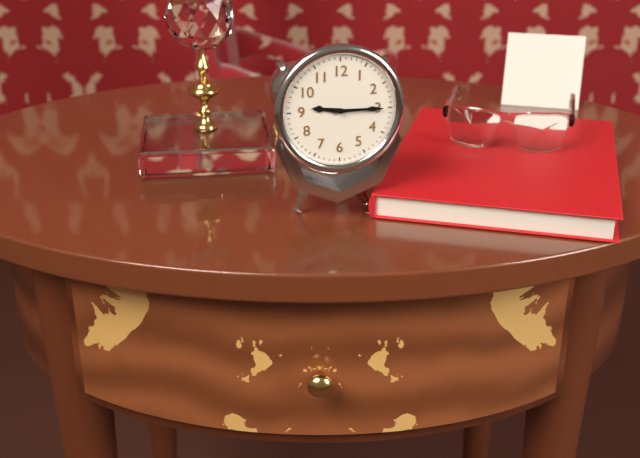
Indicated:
h=9 m=15
